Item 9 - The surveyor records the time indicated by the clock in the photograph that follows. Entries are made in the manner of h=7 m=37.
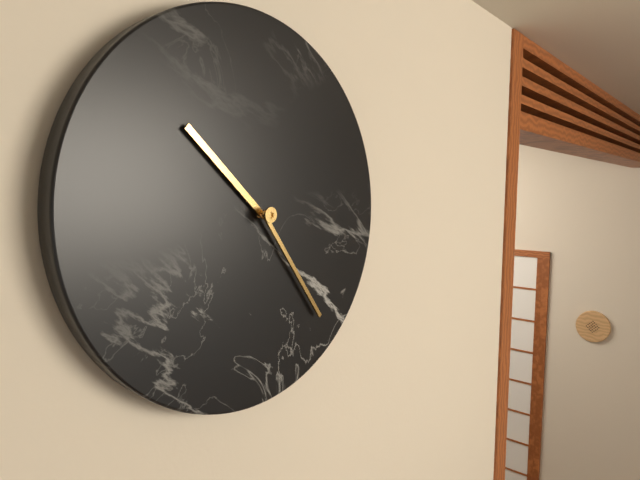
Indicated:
h=10 m=24
